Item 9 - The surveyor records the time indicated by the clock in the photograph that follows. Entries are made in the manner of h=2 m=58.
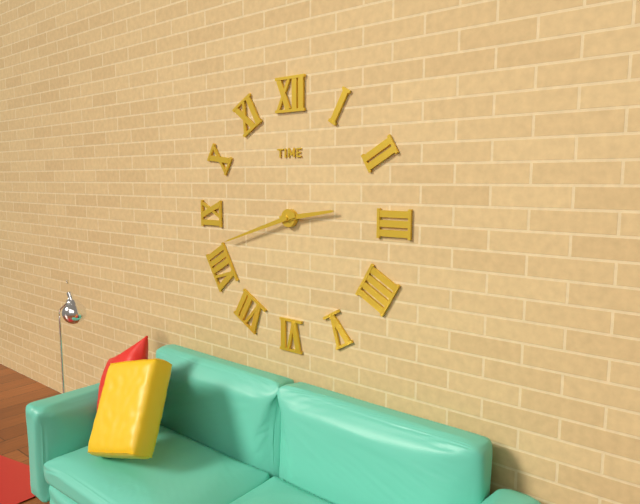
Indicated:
h=2 m=42
